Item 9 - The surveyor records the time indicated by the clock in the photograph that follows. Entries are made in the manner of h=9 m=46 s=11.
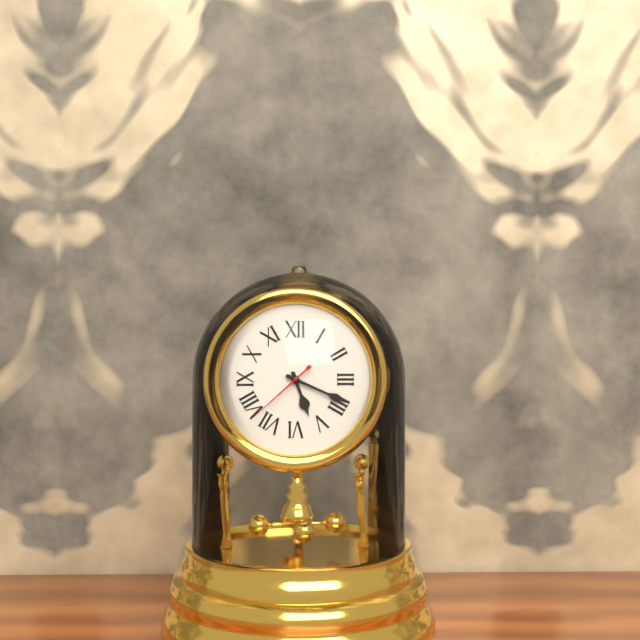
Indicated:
h=5 m=19 s=38
